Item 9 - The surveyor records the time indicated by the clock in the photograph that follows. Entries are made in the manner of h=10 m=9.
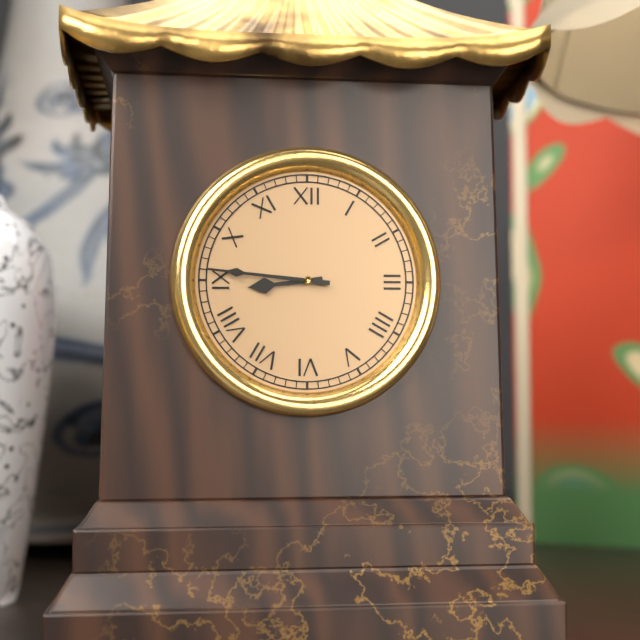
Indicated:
h=8 m=46
